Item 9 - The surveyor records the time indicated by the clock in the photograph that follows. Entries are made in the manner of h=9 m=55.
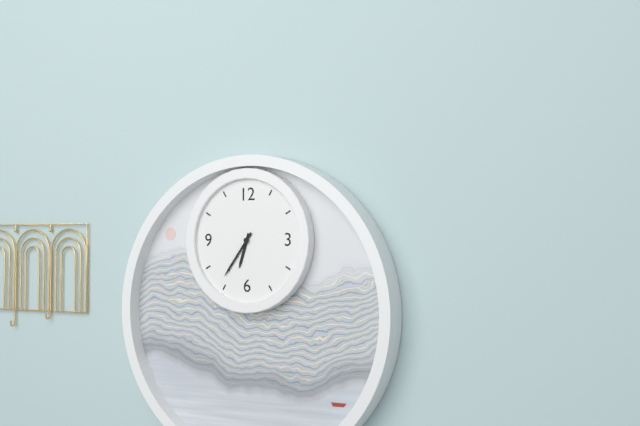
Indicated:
h=6 m=36
